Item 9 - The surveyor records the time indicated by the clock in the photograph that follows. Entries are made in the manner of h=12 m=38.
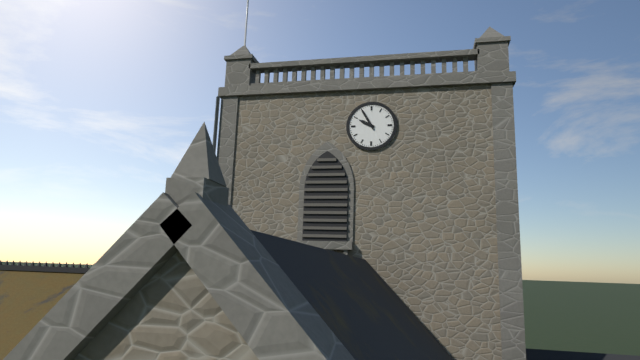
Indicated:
h=9 m=55
